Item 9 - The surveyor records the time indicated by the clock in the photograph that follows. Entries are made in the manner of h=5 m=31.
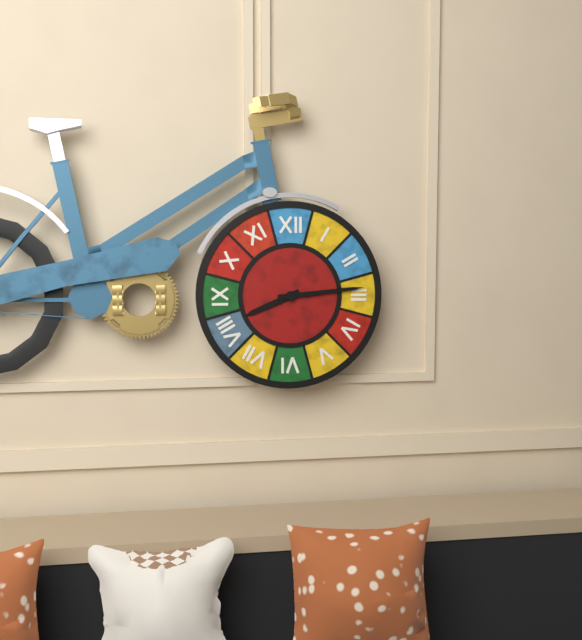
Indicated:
h=8 m=14
